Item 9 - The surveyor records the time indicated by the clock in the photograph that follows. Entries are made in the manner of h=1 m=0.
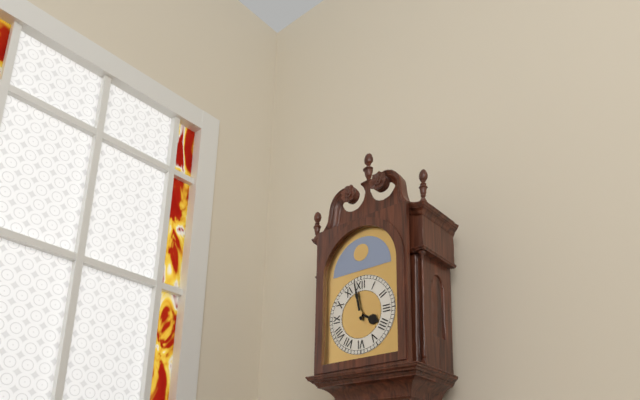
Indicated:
h=3 m=58
